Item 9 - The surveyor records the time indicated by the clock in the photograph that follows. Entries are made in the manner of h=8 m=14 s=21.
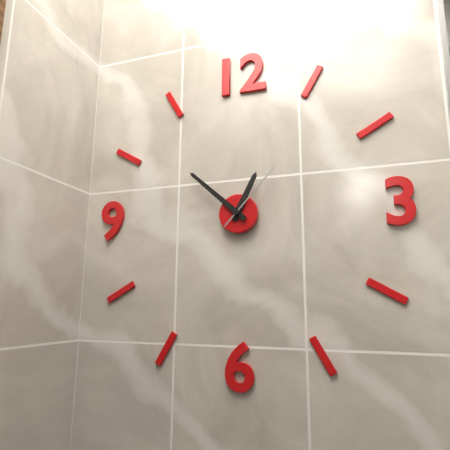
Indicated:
h=12 m=52 s=7
